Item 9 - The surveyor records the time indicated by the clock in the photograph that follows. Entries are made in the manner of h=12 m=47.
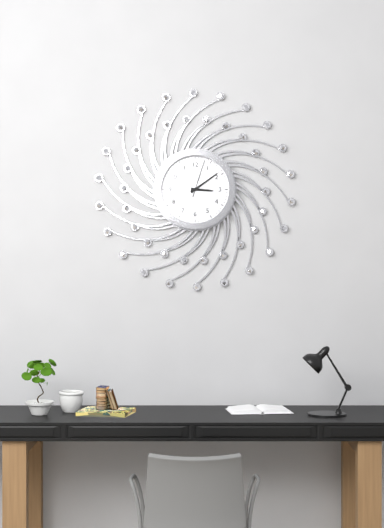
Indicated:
h=3 m=9
